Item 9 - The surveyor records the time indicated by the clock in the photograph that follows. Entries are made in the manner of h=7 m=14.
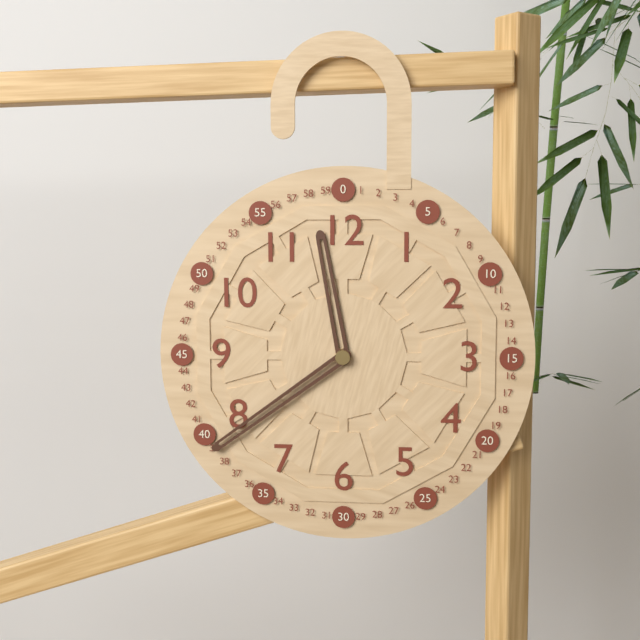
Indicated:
h=11 m=39
